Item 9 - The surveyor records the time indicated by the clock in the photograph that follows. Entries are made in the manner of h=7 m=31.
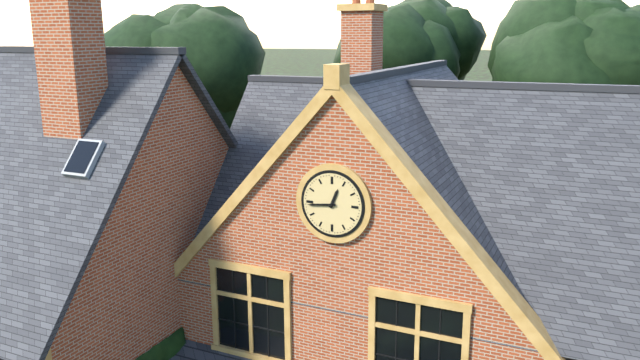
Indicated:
h=12 m=44
